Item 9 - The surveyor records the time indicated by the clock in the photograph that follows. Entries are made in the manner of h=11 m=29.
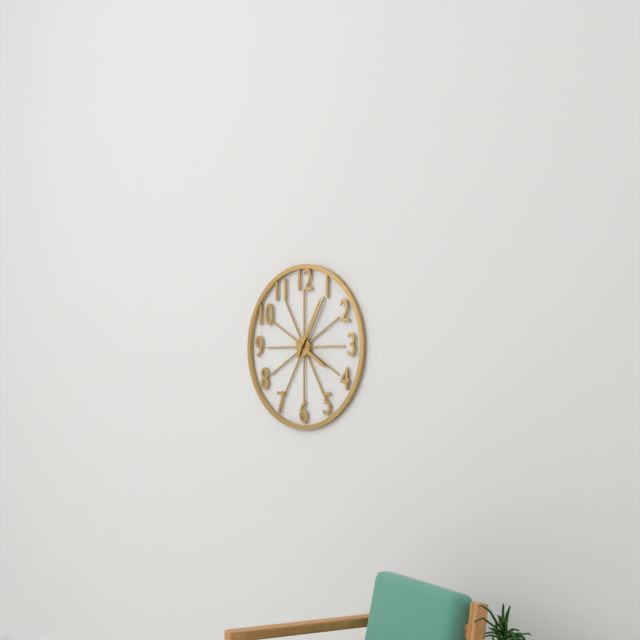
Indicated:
h=4 m=5
